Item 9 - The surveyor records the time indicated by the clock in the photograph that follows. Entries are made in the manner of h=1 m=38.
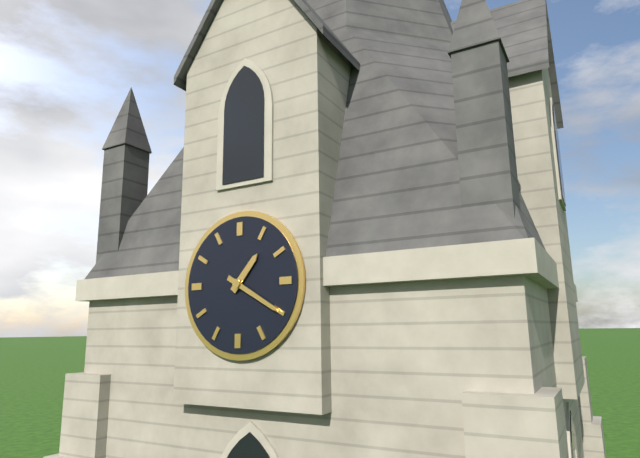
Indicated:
h=1 m=20
